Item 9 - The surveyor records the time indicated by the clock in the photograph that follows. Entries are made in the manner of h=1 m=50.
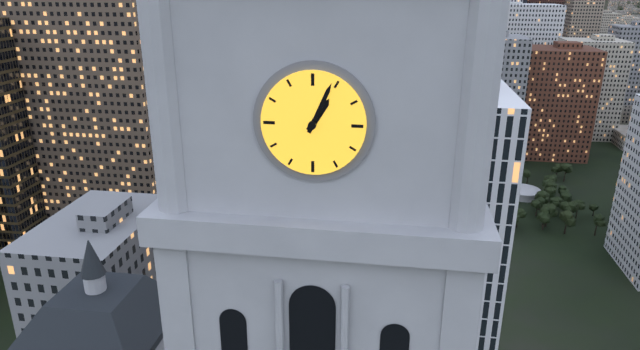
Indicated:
h=1 m=4
